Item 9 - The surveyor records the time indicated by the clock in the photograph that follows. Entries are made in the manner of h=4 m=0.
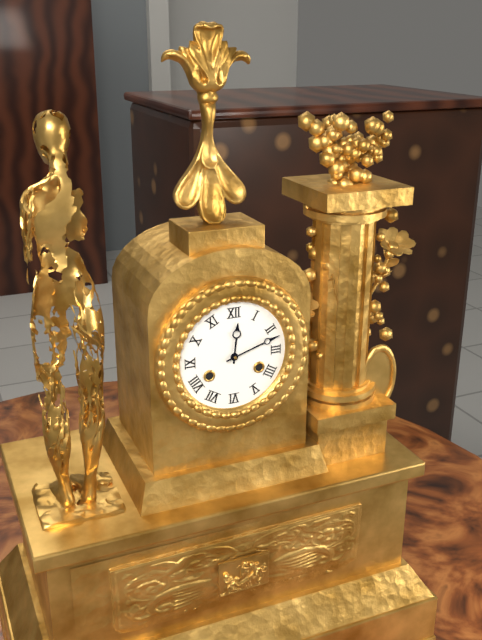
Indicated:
h=12 m=12
